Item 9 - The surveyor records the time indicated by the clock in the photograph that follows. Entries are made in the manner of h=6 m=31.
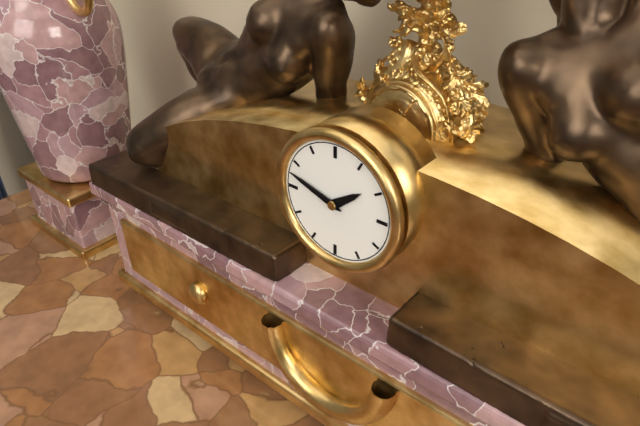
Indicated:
h=1 m=48
